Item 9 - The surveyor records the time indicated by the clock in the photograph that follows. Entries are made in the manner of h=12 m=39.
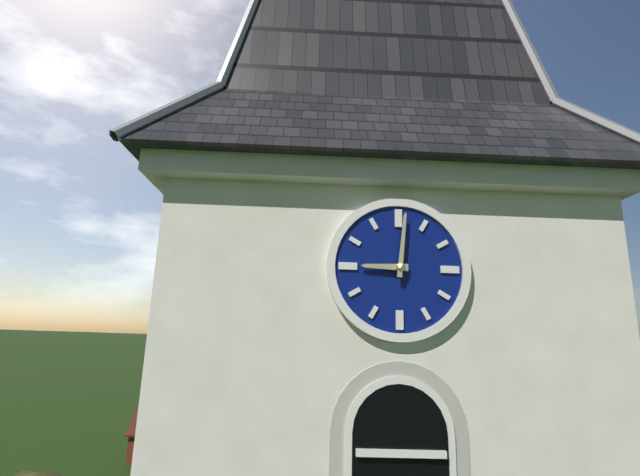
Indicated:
h=9 m=1
